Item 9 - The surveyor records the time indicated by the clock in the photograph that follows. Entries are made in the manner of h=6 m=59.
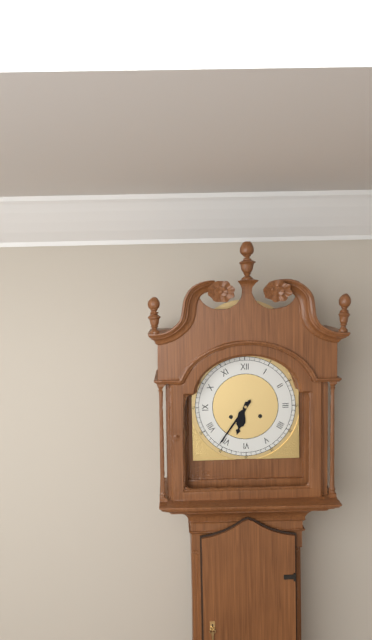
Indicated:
h=6 m=36
